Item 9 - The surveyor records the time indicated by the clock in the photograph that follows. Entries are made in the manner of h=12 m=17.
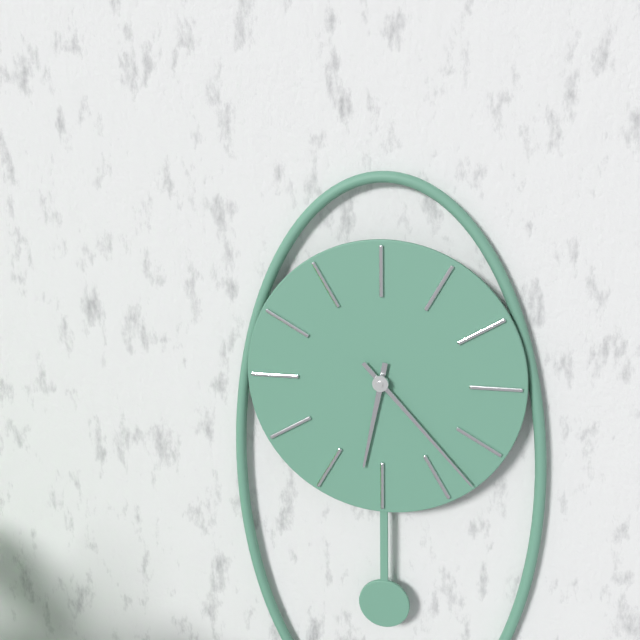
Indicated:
h=6 m=23
